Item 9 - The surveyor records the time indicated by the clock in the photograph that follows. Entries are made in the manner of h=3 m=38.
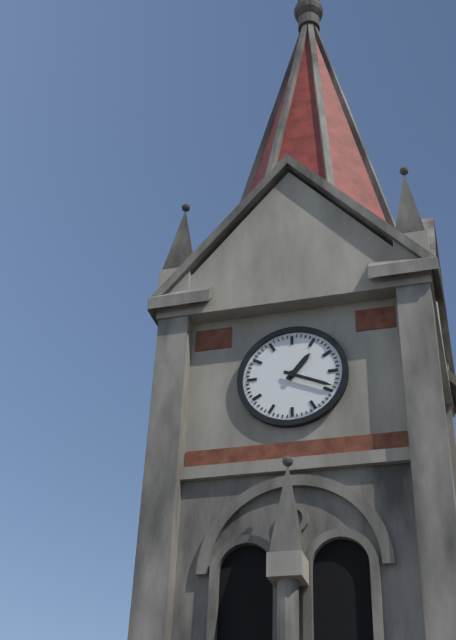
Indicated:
h=1 m=19
